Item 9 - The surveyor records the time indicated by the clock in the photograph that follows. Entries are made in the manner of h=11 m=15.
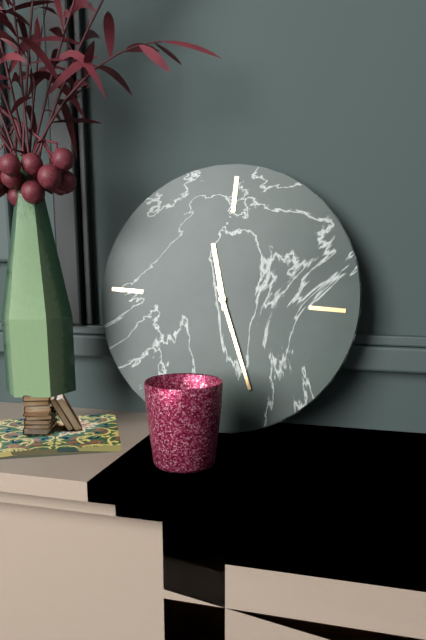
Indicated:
h=11 m=26
